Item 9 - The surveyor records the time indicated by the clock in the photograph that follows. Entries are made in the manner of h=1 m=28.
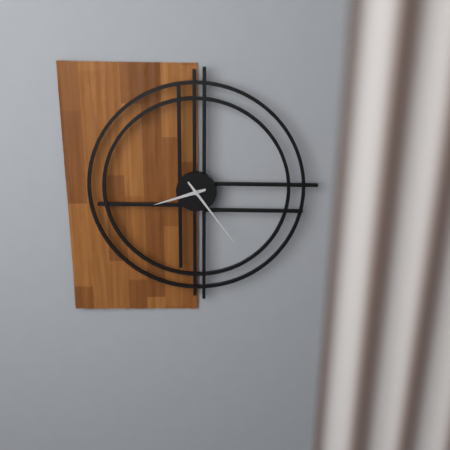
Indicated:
h=8 m=24
